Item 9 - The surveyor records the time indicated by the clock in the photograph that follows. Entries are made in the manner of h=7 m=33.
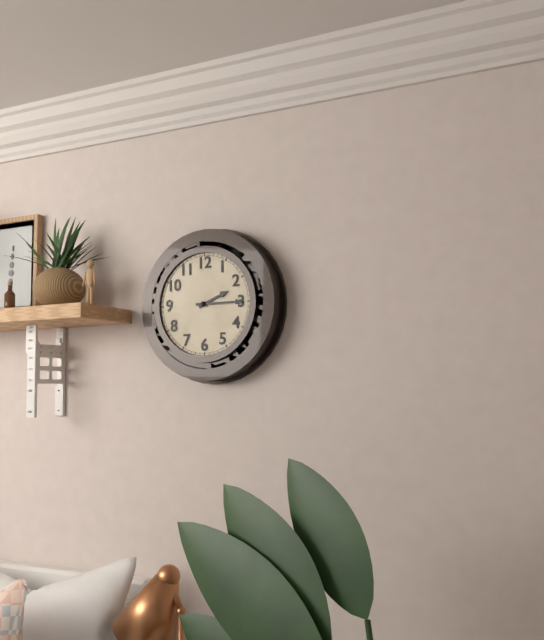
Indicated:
h=2 m=15
